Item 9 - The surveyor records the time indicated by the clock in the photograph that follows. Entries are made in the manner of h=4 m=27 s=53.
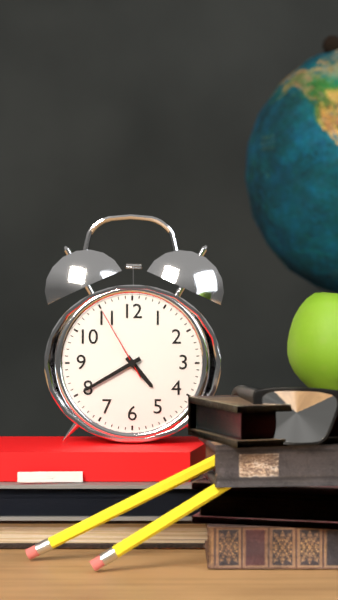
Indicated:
h=4 m=40 s=55
